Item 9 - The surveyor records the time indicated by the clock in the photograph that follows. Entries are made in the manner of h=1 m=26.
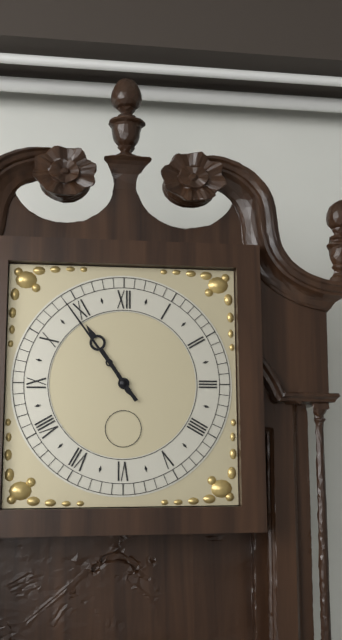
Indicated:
h=10 m=54
